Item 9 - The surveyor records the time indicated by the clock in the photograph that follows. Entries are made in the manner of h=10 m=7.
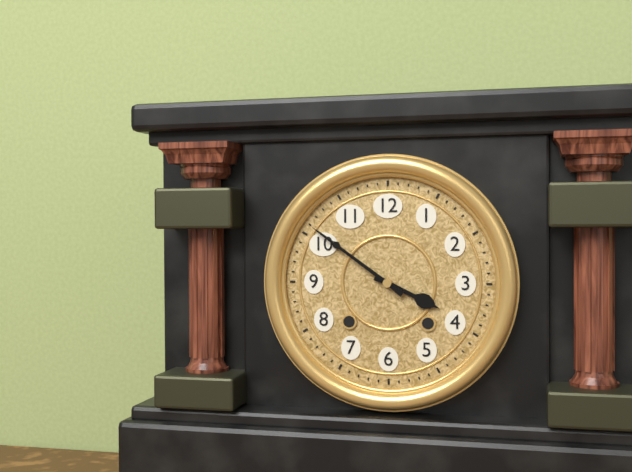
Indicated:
h=3 m=51
